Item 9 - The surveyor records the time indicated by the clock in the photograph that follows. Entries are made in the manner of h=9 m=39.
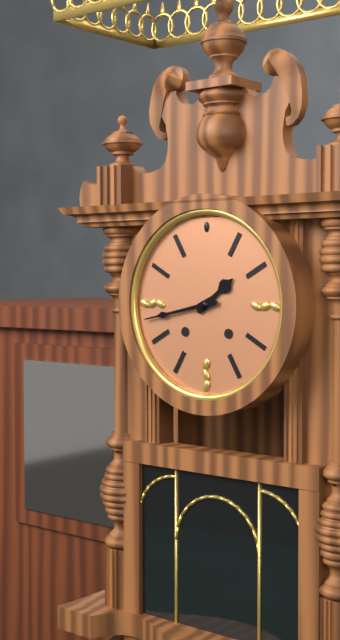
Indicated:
h=1 m=43
